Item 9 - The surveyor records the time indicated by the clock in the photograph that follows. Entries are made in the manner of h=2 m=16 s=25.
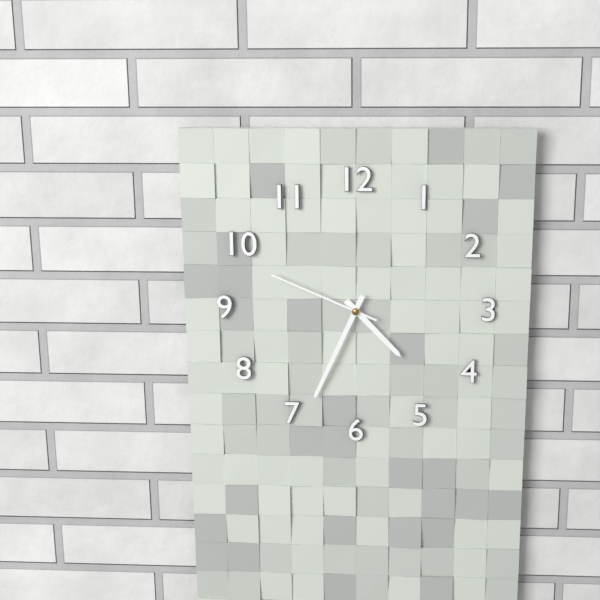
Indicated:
h=4 m=34 s=49
